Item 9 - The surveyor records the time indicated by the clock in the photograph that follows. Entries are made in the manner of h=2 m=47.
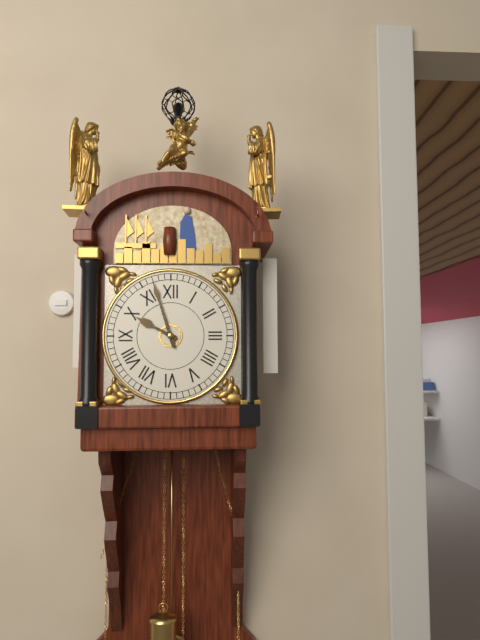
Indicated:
h=9 m=57
